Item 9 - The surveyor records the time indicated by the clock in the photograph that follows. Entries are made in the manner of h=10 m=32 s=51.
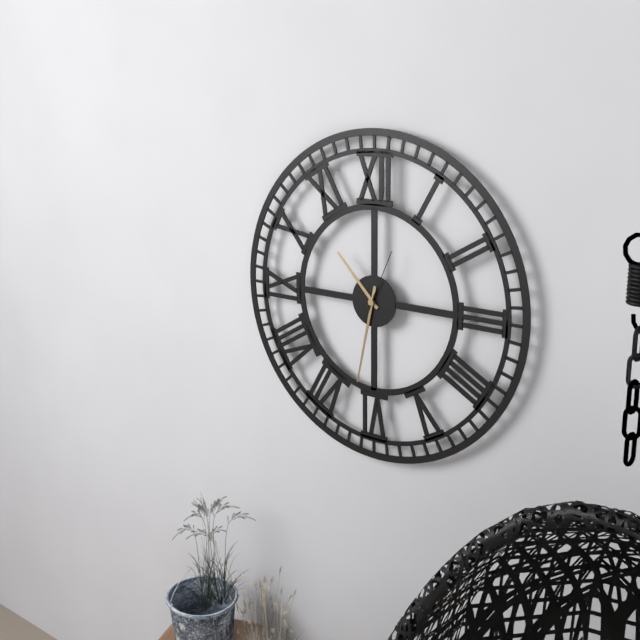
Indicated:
h=10 m=32 s=4
